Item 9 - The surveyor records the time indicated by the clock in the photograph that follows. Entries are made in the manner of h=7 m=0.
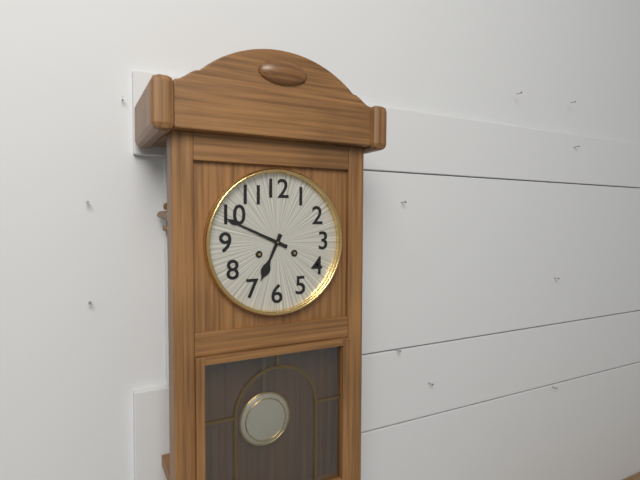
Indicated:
h=6 m=49
